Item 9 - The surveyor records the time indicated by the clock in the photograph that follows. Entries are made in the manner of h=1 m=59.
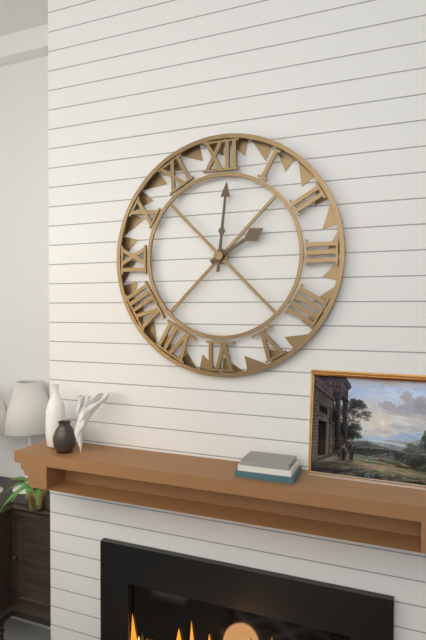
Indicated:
h=2 m=1
